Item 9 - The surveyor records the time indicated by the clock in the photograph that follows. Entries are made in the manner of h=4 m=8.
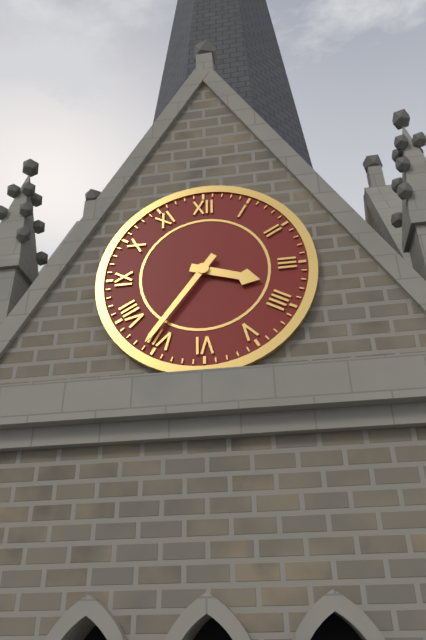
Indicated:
h=3 m=36
